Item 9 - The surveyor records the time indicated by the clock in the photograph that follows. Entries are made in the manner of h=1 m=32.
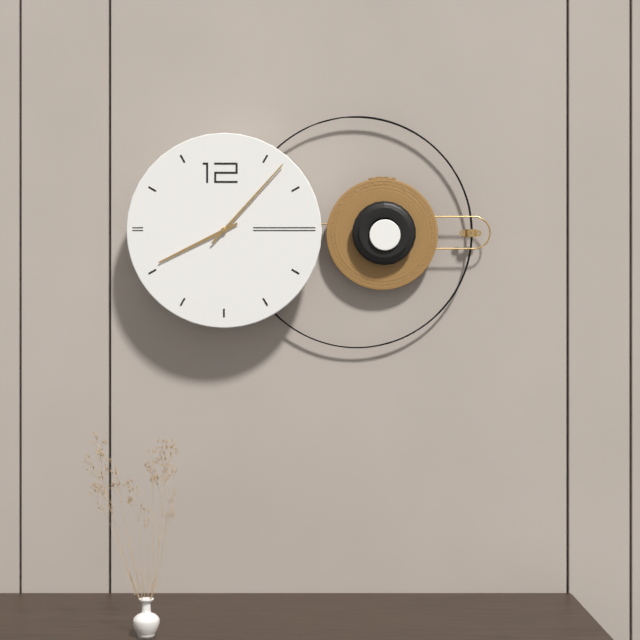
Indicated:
h=8 m=7
